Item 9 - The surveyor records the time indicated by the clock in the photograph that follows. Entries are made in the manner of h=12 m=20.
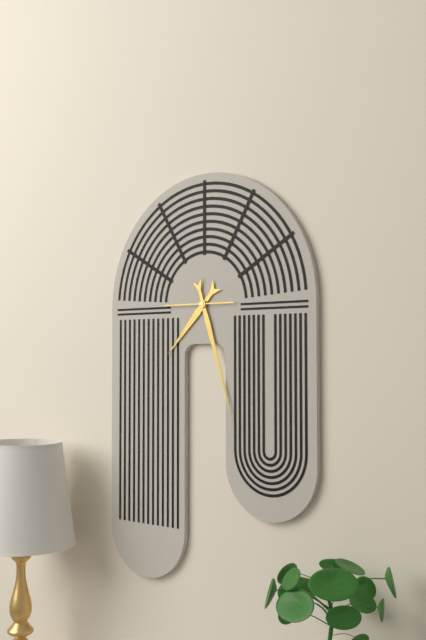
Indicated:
h=7 m=27
